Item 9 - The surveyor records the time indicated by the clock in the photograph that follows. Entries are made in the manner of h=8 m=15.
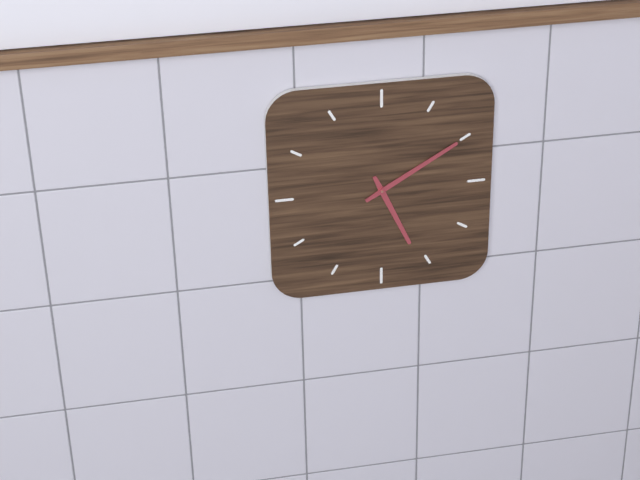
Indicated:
h=5 m=10
